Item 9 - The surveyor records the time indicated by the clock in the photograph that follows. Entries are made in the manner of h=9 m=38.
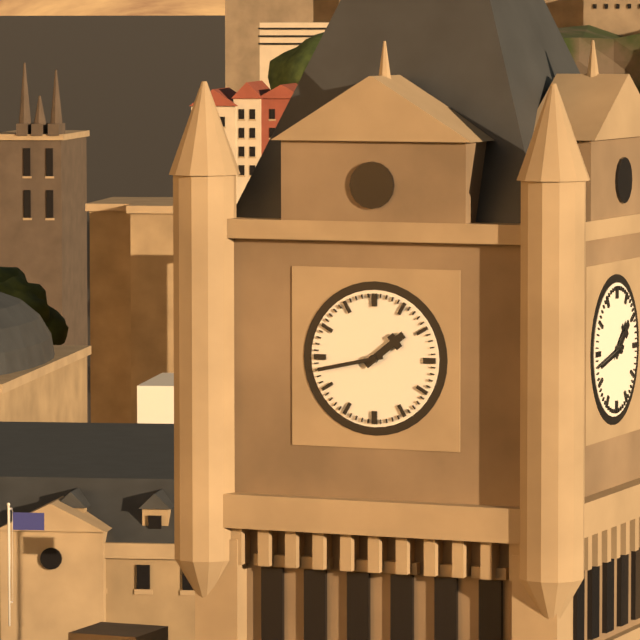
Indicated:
h=1 m=43
